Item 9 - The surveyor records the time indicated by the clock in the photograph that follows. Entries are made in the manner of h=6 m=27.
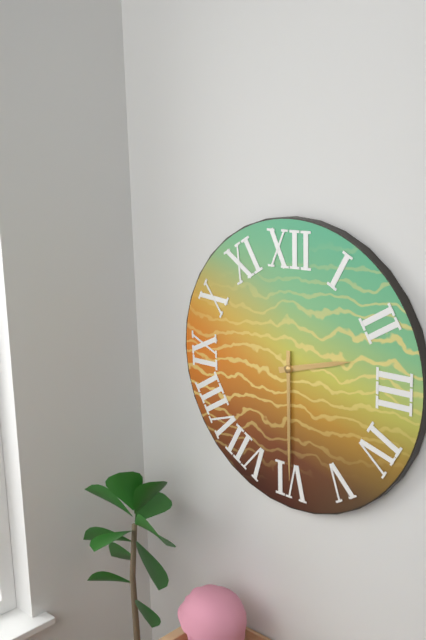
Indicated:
h=2 m=30
